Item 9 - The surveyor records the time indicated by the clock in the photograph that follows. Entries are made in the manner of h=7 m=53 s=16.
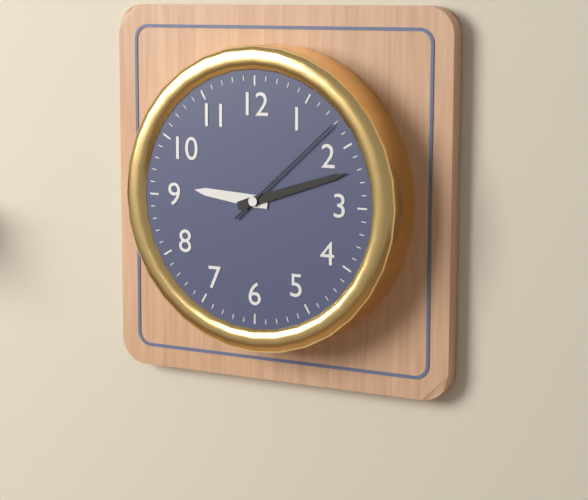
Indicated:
h=9 m=12 s=8
